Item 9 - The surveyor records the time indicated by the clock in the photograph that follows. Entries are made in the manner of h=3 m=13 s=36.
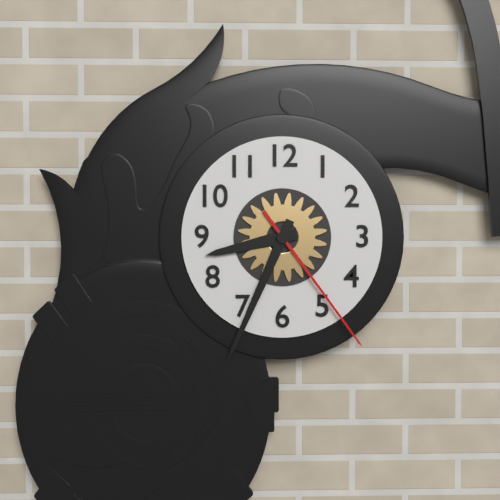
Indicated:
h=8 m=34 s=24
